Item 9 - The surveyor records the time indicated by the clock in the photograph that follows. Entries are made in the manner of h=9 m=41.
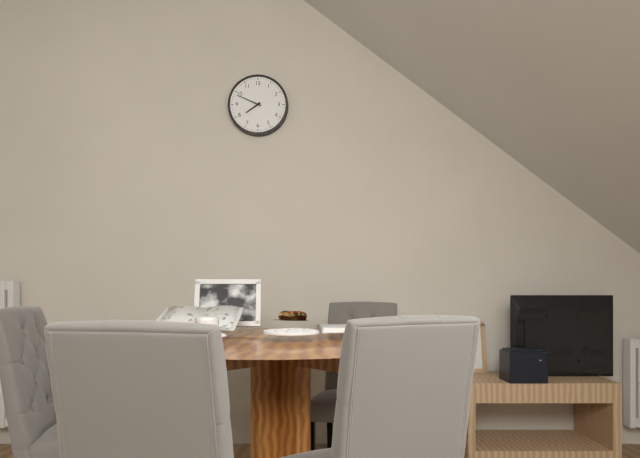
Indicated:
h=7 m=49
